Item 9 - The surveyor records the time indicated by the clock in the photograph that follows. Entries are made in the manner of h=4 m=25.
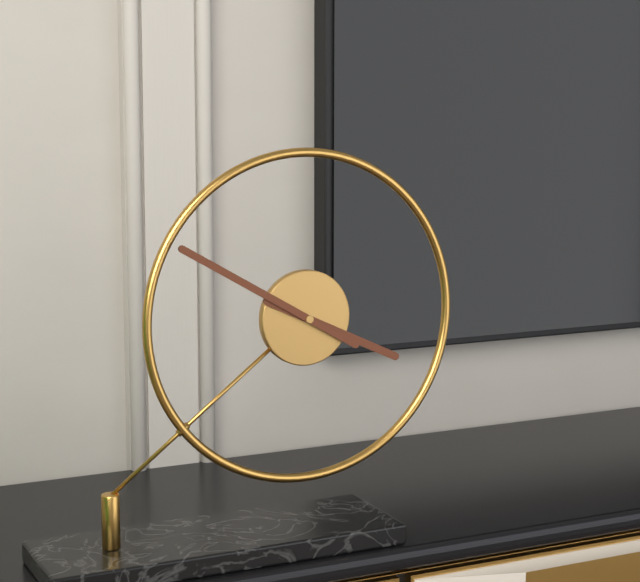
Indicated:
h=3 m=50
